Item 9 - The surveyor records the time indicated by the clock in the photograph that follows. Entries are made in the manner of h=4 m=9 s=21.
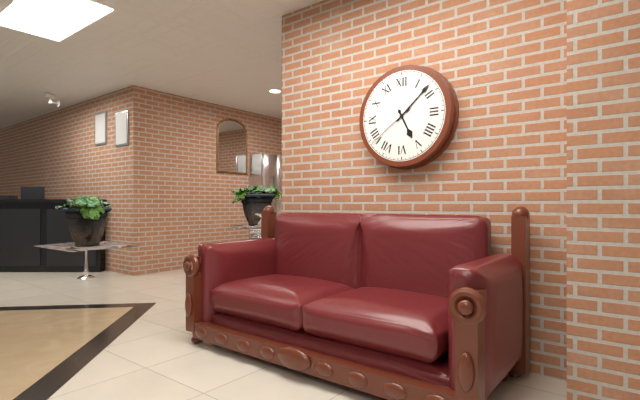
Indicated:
h=5 m=8 s=39
